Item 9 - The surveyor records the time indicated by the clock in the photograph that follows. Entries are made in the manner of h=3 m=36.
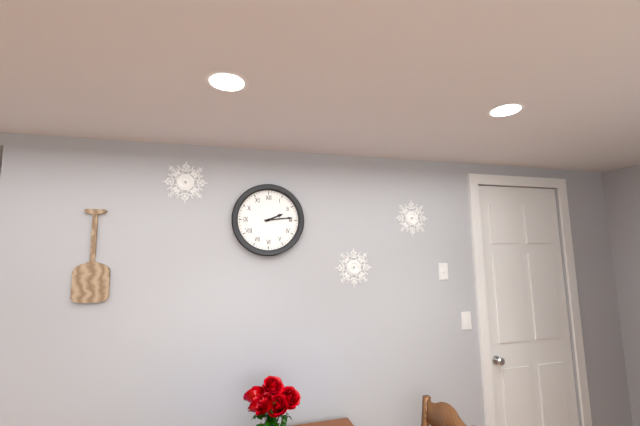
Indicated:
h=2 m=14
